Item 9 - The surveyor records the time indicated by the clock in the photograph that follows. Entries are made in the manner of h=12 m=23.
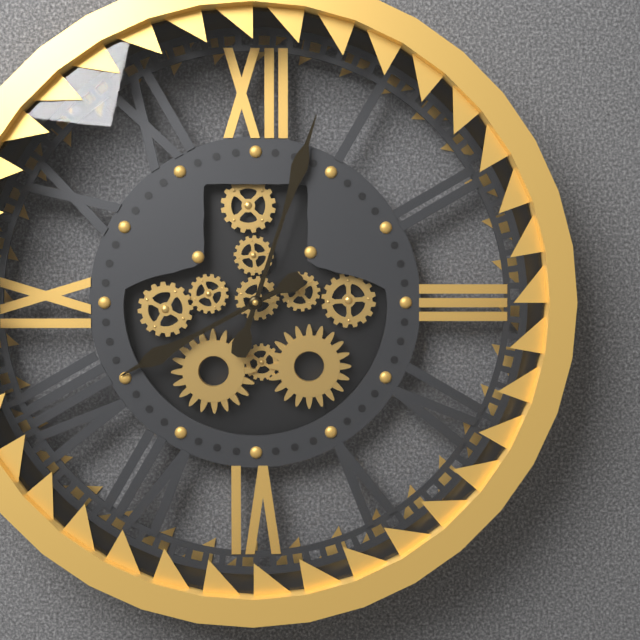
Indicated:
h=8 m=3
